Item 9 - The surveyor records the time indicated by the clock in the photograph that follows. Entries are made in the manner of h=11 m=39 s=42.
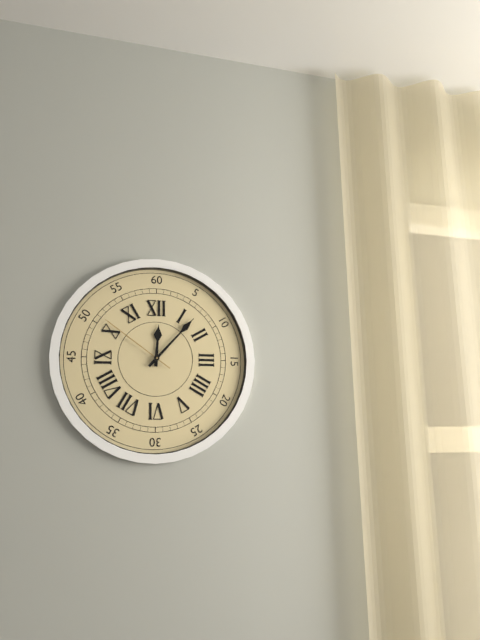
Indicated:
h=12 m=7 s=51
